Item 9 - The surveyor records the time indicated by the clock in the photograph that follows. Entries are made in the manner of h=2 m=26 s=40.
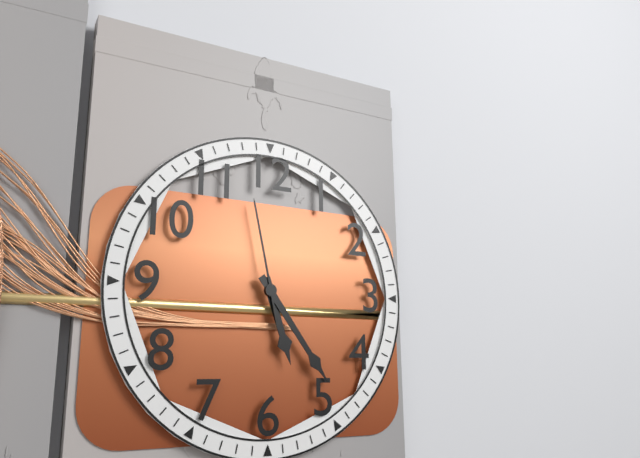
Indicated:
h=5 m=24 s=58
